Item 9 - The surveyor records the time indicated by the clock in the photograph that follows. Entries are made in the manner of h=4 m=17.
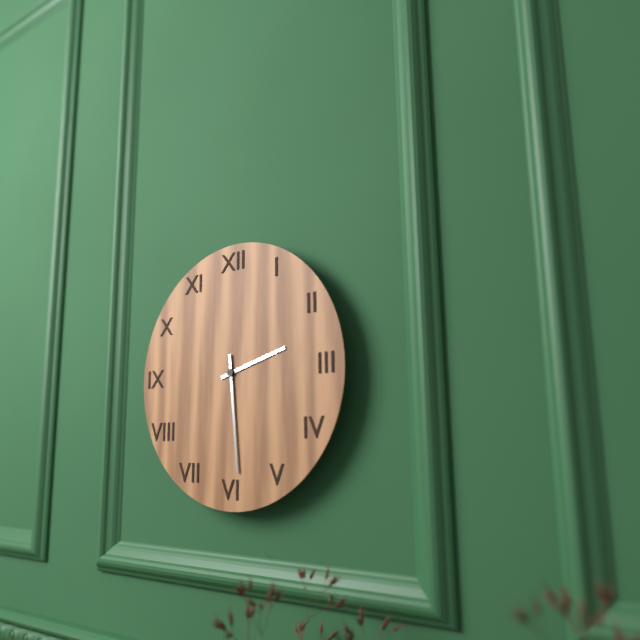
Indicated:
h=2 m=29
